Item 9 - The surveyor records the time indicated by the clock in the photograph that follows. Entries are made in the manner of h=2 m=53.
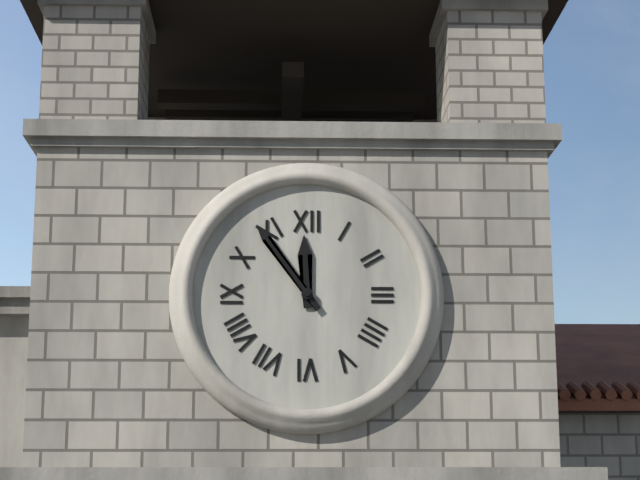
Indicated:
h=11 m=54
